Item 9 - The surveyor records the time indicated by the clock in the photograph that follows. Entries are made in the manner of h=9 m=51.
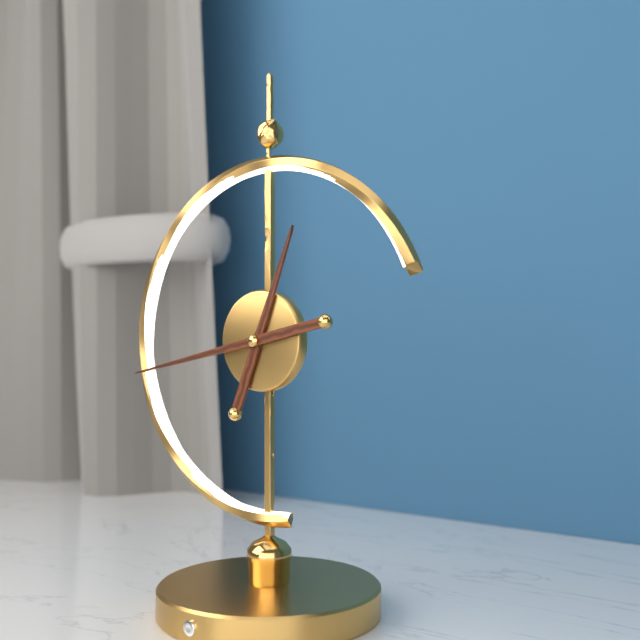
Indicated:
h=12 m=43
